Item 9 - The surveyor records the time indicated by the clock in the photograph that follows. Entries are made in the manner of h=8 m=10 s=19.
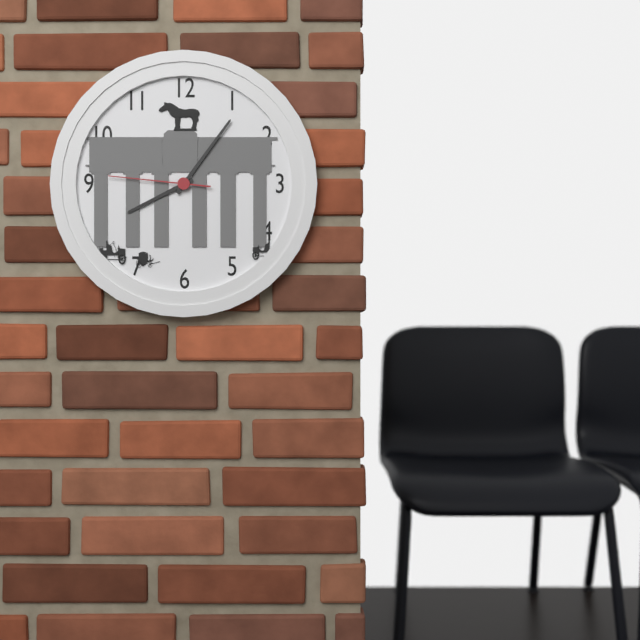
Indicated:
h=8 m=6 s=46
